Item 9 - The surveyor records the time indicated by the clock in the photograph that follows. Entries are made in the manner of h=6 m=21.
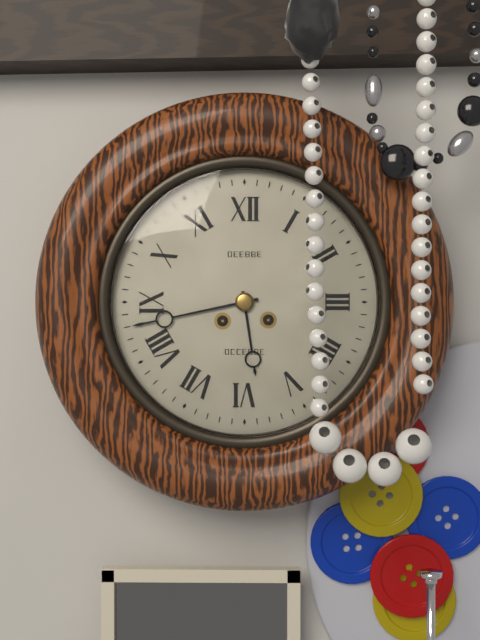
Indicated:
h=5 m=43
